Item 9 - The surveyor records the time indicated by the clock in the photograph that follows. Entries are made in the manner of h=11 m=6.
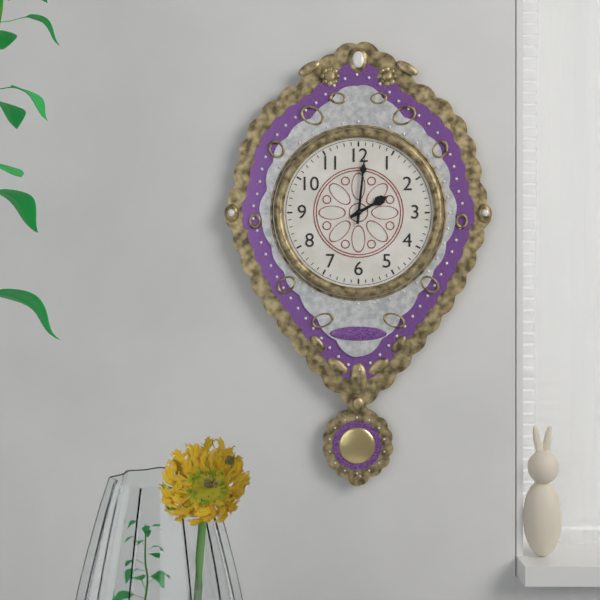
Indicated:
h=2 m=1
